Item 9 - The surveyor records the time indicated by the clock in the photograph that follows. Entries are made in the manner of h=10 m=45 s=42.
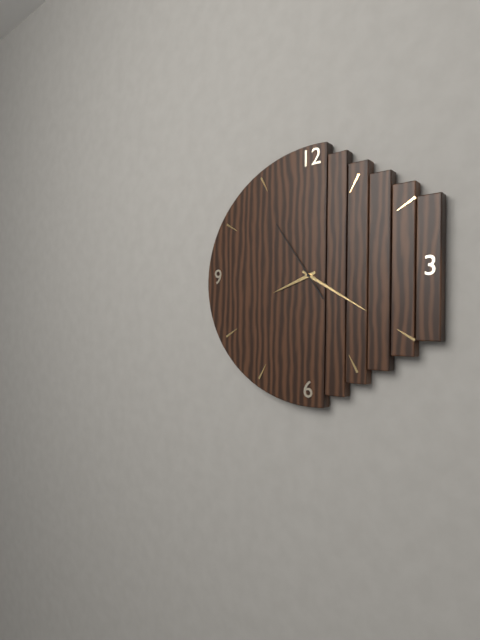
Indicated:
h=8 m=20 s=54
